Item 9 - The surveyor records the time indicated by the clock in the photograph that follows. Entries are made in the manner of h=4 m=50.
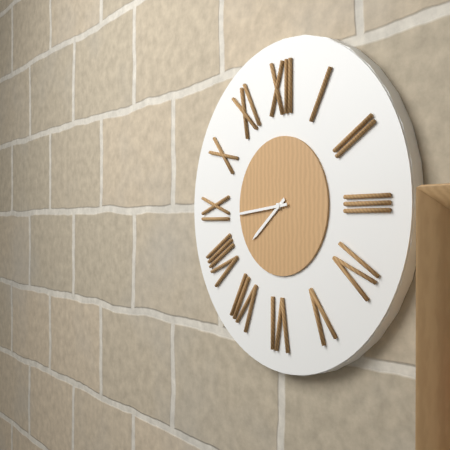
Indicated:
h=7 m=44
